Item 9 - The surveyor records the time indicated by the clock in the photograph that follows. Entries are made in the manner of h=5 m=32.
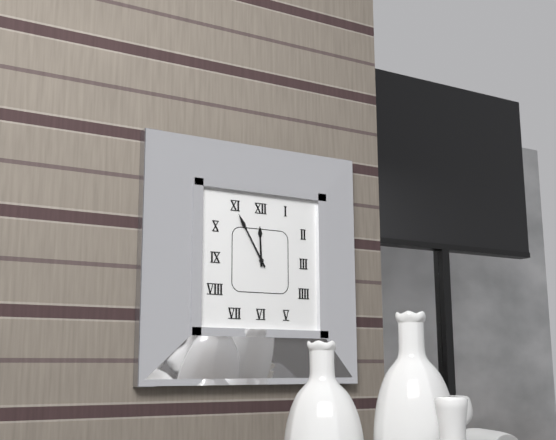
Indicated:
h=11 m=55
